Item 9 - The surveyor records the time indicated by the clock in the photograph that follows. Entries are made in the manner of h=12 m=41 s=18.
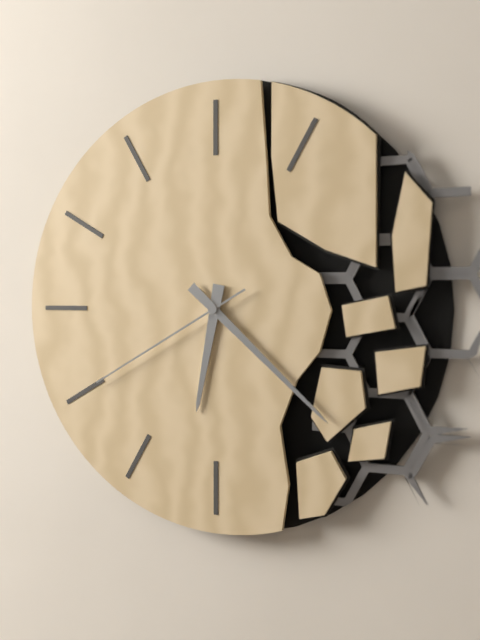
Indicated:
h=6 m=22 s=40
